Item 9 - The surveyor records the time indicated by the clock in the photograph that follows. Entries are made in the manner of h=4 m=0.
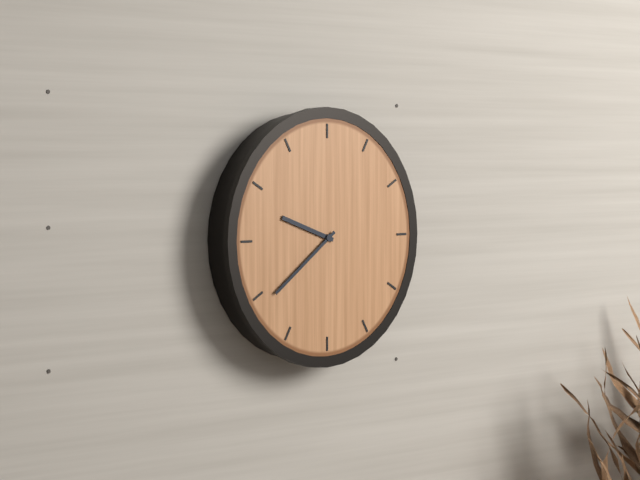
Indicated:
h=9 m=39
